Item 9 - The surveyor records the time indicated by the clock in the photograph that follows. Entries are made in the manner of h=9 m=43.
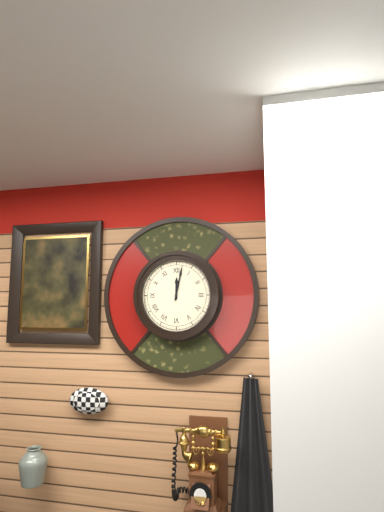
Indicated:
h=12 m=2
